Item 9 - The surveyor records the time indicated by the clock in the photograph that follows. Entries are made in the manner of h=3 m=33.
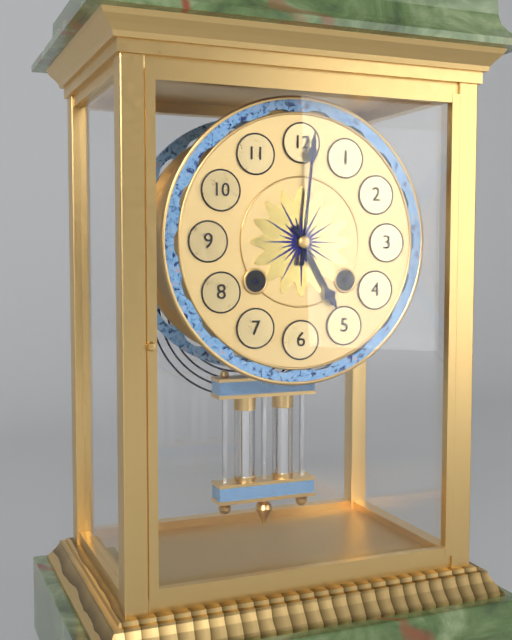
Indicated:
h=5 m=1
